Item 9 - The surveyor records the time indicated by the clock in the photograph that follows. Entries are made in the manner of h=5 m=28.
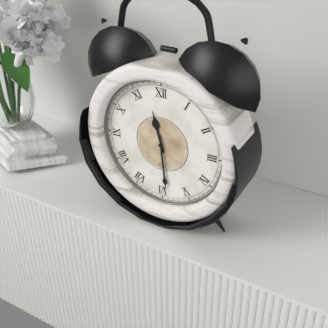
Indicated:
h=11 m=29
